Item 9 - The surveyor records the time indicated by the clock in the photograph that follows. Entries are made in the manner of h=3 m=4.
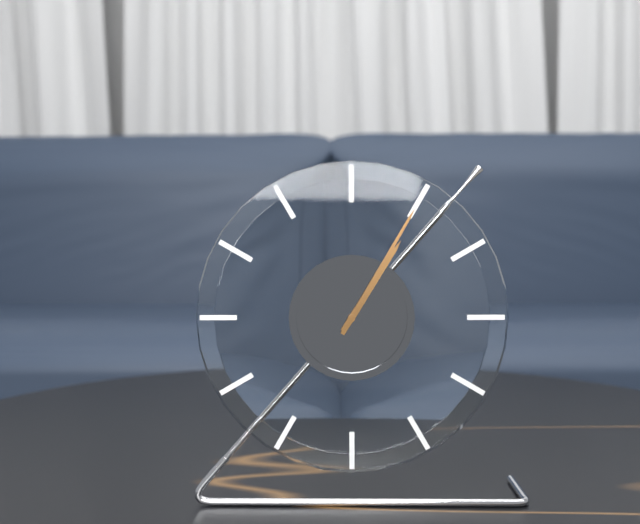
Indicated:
h=1 m=5
